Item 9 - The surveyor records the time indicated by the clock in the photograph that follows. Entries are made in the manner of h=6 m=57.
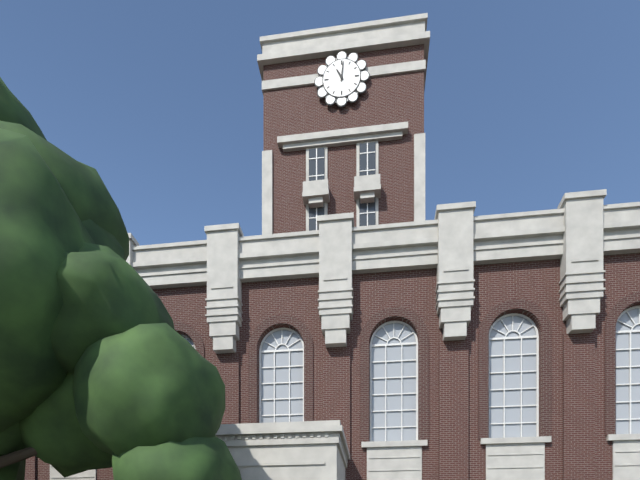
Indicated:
h=11 m=1
